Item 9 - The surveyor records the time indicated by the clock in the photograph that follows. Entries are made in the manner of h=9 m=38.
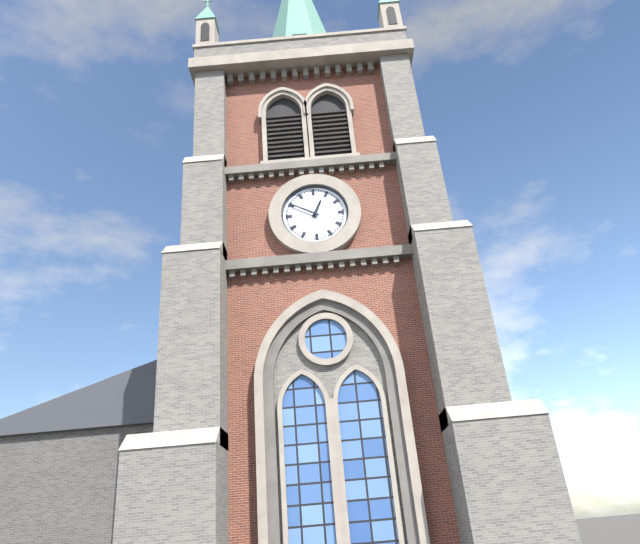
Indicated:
h=12 m=50
